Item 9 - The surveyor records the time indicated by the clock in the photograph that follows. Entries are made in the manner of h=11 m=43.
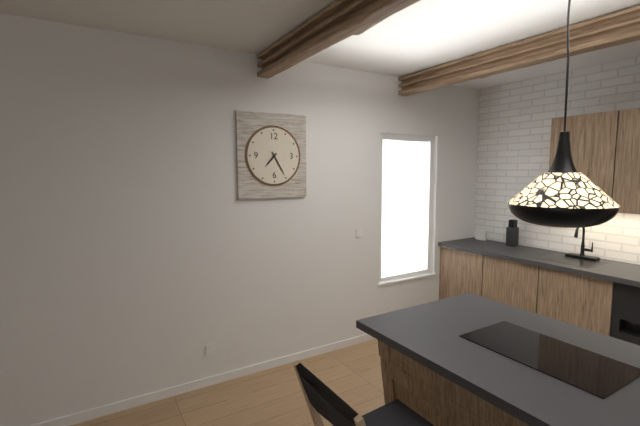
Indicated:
h=7 m=25
